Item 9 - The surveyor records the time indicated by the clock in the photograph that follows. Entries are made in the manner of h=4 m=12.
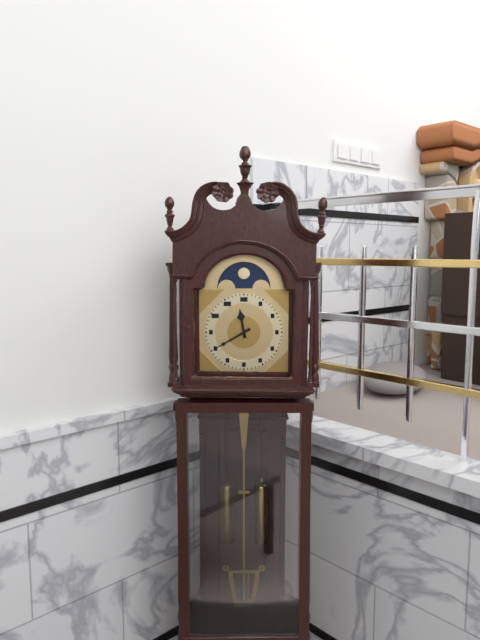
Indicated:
h=11 m=40
